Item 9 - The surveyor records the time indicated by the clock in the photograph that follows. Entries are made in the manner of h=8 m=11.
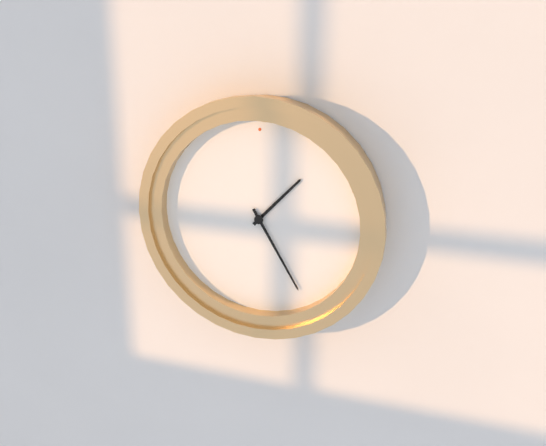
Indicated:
h=1 m=25
